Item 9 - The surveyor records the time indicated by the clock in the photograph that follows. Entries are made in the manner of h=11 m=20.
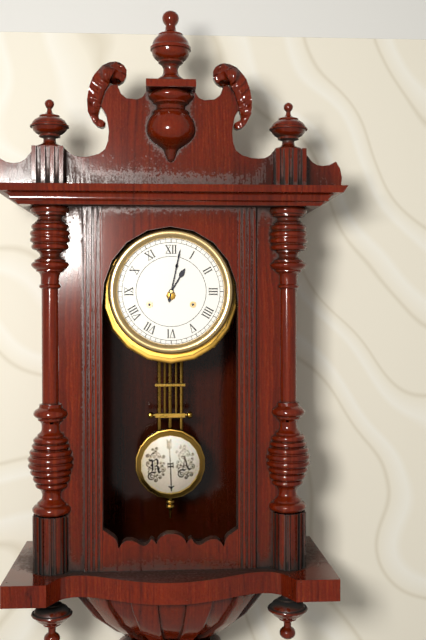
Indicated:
h=1 m=2
